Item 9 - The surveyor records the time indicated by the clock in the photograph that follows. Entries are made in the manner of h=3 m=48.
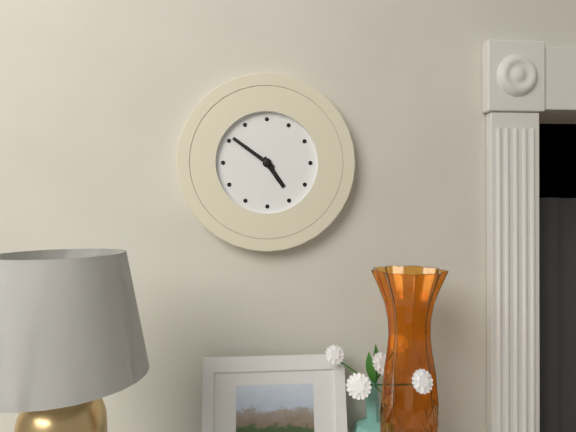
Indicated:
h=4 m=51
